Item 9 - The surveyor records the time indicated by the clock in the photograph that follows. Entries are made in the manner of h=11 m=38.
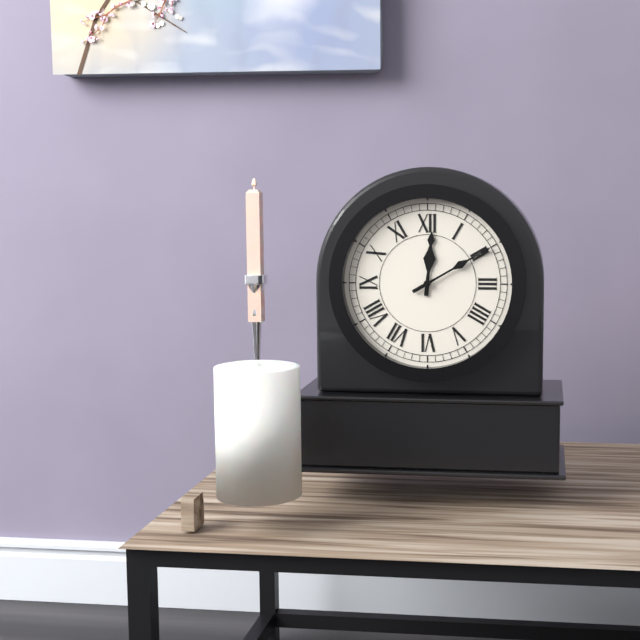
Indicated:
h=12 m=10
